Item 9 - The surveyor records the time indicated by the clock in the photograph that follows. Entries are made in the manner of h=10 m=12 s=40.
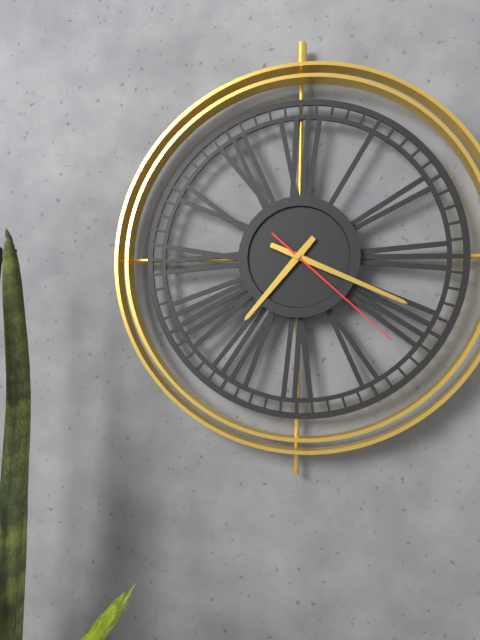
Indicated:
h=7 m=19 s=22
